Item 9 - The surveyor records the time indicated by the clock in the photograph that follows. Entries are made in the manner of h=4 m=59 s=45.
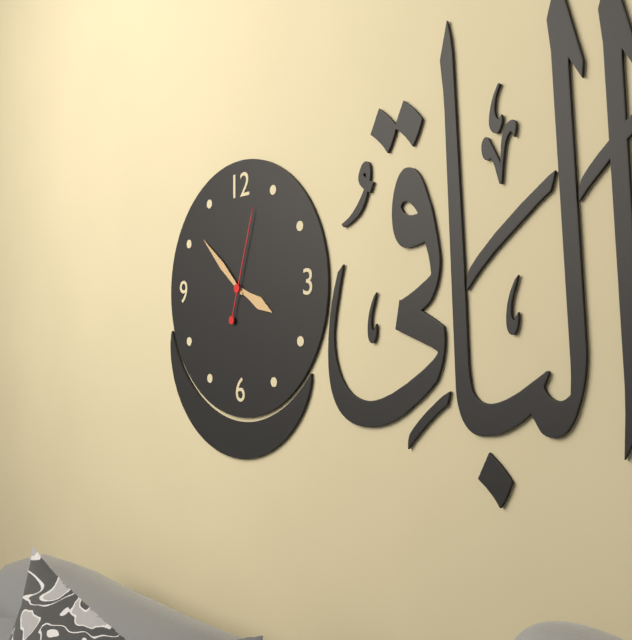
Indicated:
h=3 m=52 s=3
